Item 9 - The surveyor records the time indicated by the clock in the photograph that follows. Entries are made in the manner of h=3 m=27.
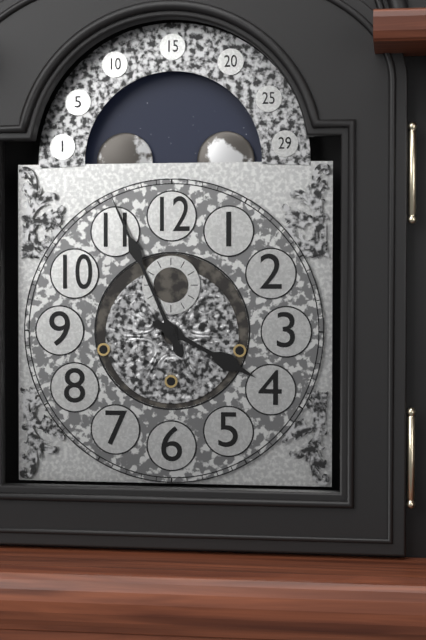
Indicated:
h=3 m=56
